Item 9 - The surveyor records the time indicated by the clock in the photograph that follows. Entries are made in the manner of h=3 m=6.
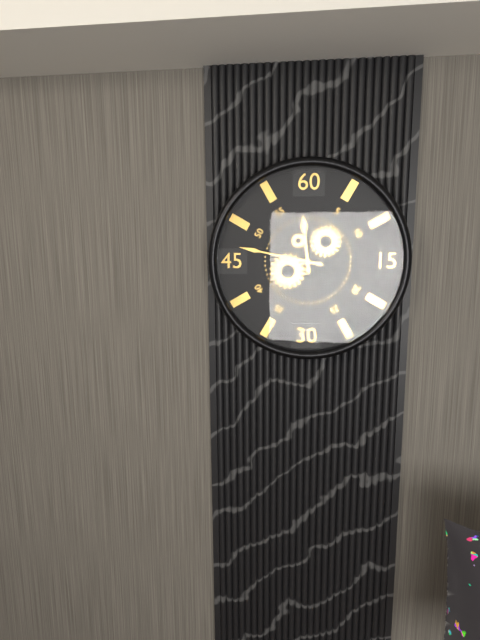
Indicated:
h=11 m=47
